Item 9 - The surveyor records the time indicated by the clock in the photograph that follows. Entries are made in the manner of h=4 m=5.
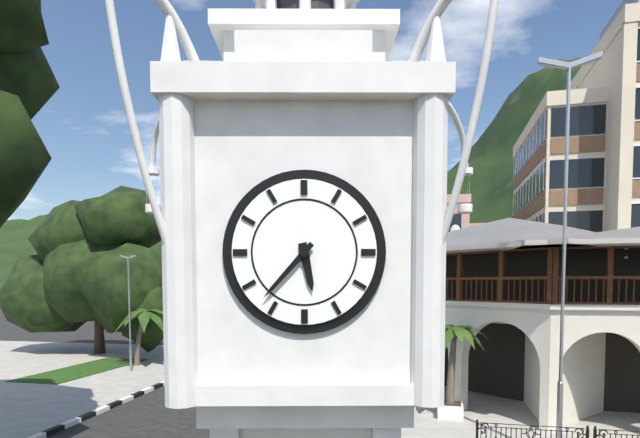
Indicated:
h=5 m=37
